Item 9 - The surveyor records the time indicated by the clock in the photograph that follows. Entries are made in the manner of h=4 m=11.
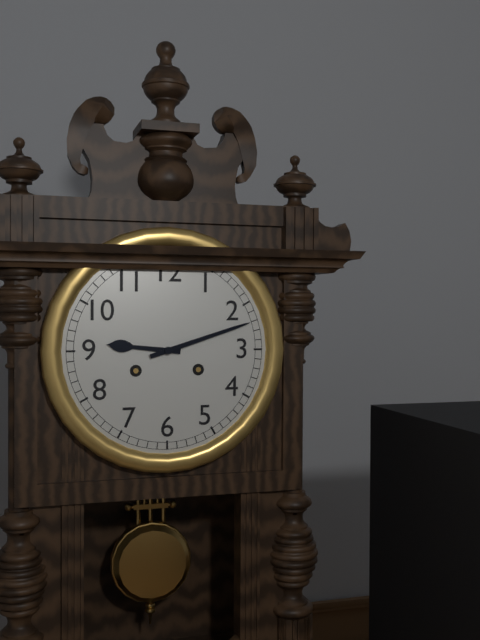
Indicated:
h=9 m=12
